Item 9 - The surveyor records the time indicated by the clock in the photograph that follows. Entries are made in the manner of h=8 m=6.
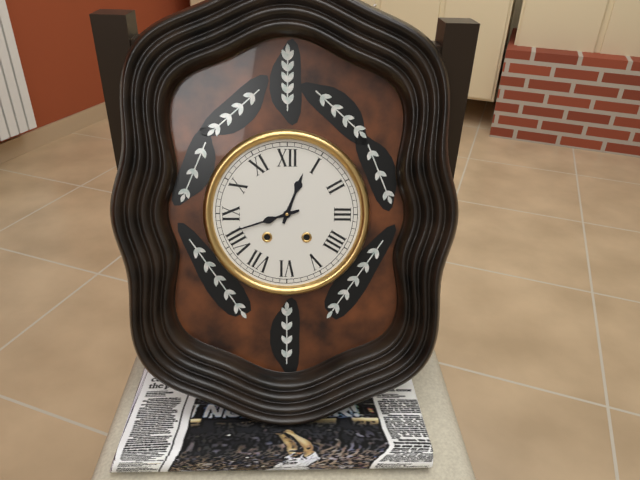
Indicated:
h=12 m=42
